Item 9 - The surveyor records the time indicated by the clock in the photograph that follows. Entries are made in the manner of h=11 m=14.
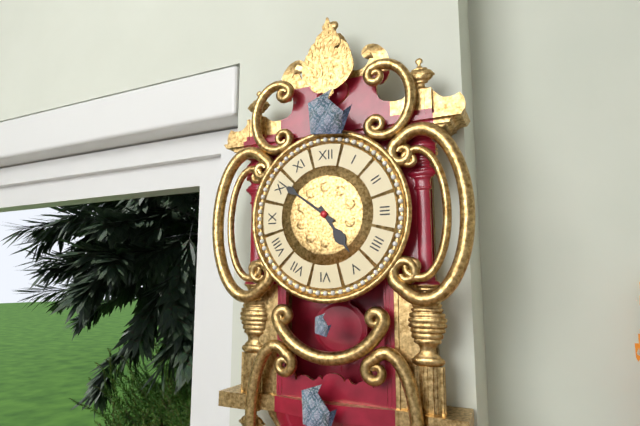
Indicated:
h=4 m=51
